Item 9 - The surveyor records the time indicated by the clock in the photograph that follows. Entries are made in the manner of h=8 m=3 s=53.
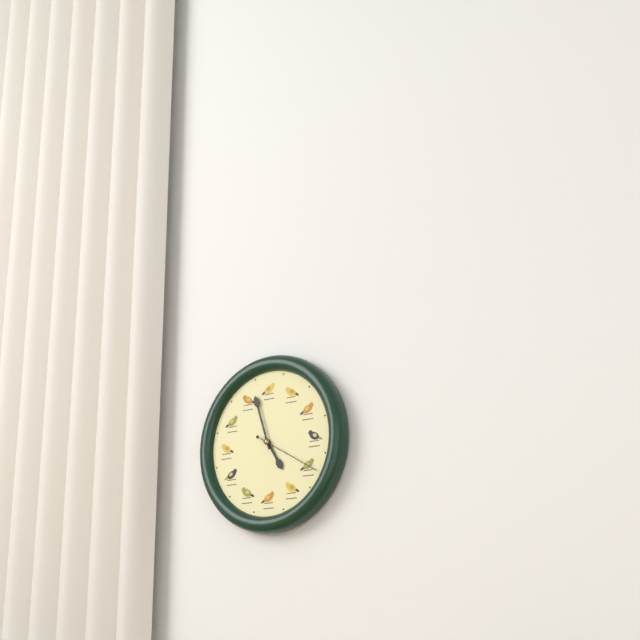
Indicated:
h=4 m=57 s=20
